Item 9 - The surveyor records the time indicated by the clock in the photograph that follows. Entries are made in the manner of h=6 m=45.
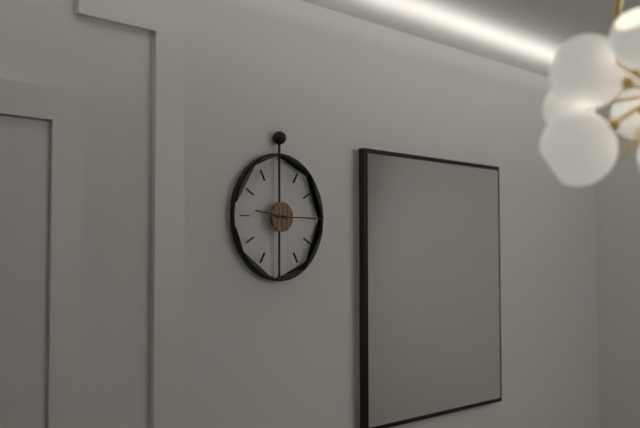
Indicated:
h=9 m=15
